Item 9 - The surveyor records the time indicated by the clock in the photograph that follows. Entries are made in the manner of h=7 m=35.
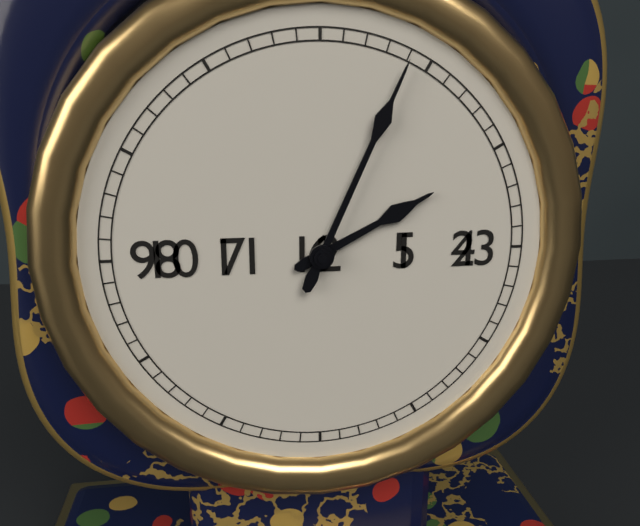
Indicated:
h=2 m=4
